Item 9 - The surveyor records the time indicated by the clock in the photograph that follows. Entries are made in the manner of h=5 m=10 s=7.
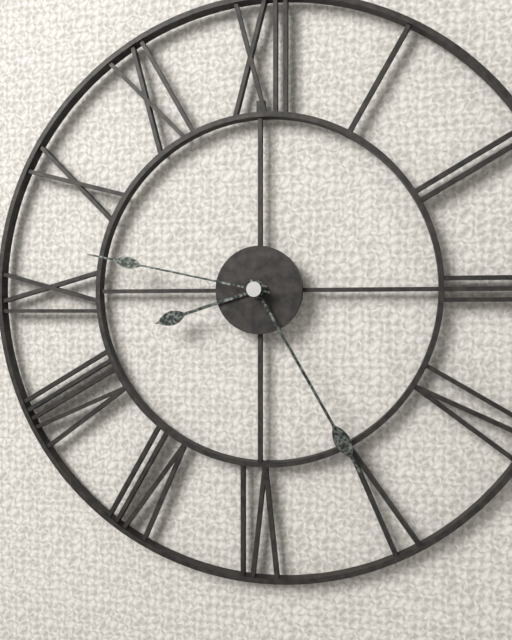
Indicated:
h=8 m=25 s=47
